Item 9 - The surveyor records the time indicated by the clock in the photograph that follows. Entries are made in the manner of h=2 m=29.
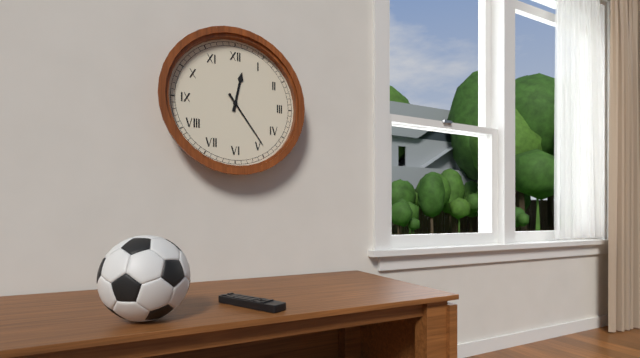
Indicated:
h=12 m=24
